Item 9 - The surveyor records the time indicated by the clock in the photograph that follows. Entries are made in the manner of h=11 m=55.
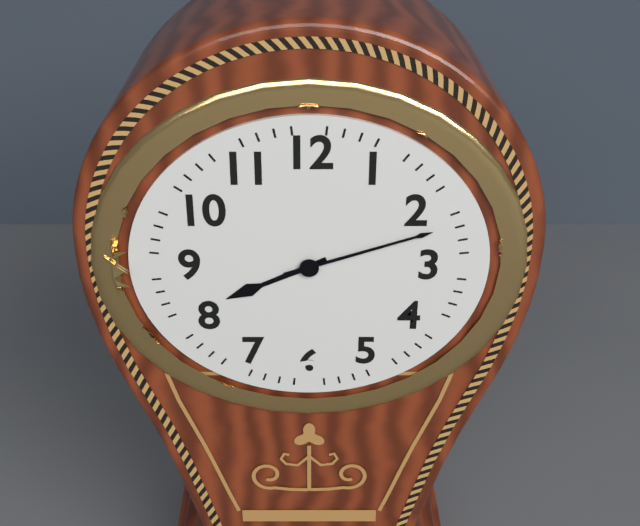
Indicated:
h=8 m=12
